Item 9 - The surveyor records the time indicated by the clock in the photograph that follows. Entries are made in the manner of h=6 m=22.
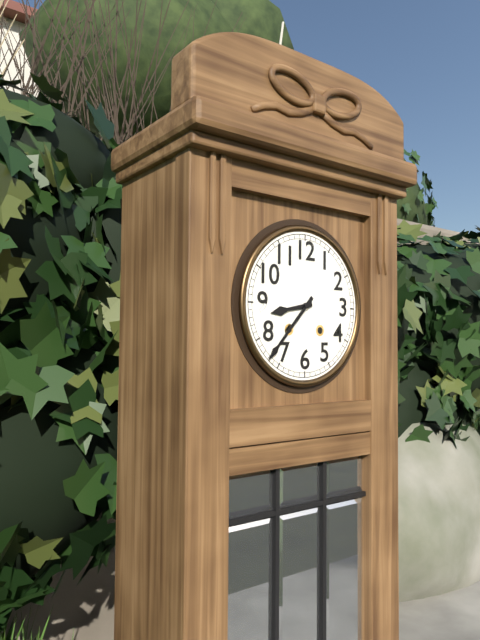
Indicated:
h=8 m=37
